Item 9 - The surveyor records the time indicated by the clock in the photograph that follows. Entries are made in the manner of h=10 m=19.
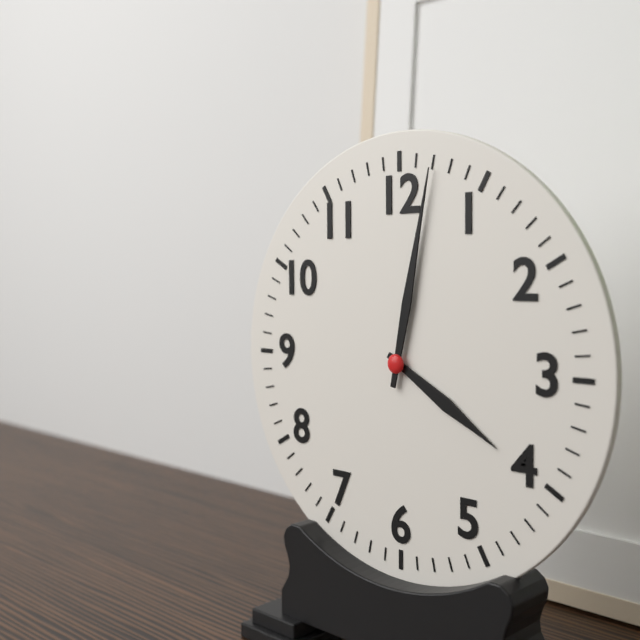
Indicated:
h=4 m=2
